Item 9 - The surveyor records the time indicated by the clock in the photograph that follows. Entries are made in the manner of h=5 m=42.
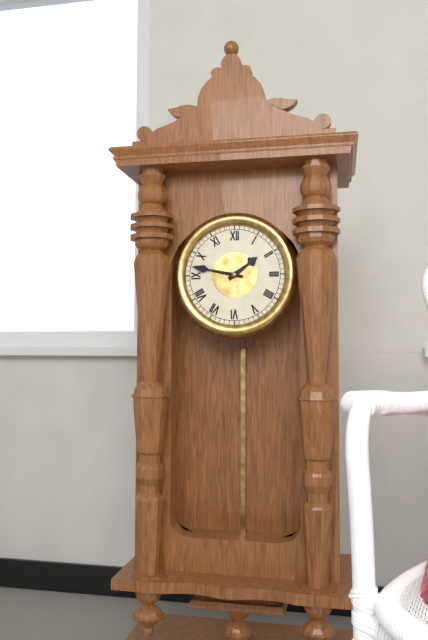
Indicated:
h=1 m=47
